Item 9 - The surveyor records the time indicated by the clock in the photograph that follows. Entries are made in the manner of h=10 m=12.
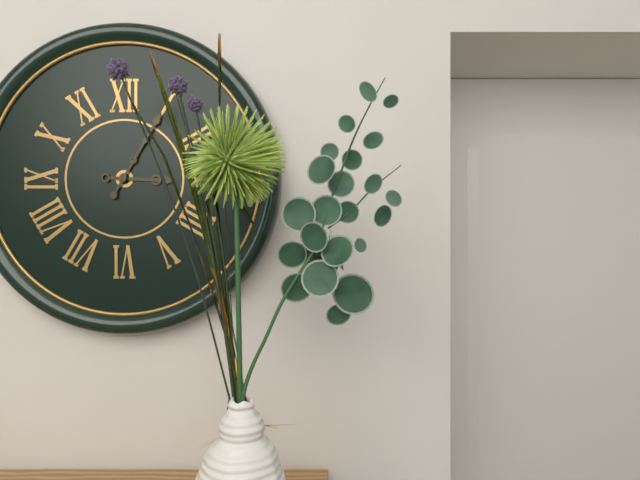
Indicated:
h=3 m=5
